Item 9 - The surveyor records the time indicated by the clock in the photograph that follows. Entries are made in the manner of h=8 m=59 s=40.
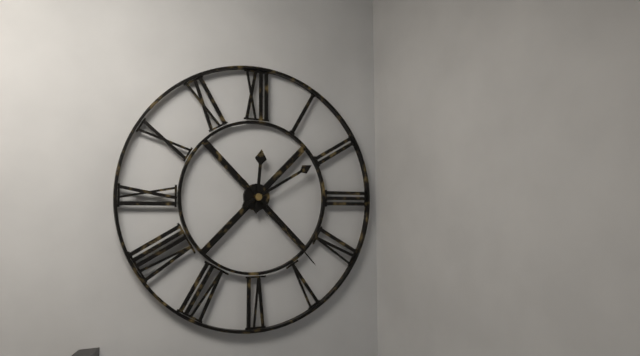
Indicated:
h=12 m=10 s=23
